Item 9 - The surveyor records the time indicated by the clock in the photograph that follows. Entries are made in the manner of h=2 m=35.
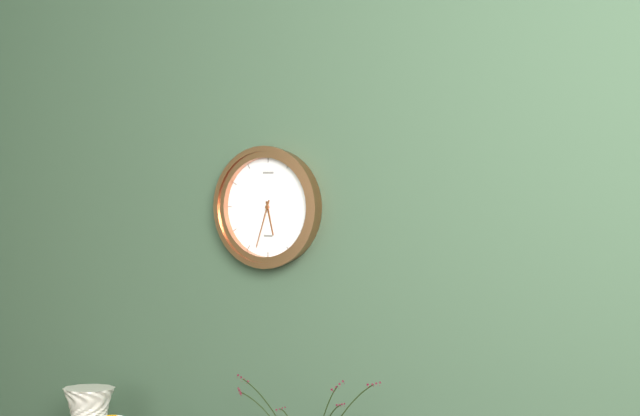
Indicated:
h=5 m=33
